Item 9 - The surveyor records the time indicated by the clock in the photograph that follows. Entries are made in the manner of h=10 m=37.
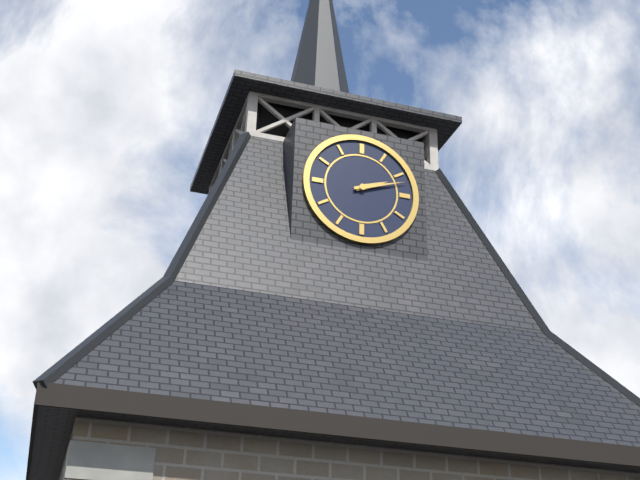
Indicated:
h=2 m=12
